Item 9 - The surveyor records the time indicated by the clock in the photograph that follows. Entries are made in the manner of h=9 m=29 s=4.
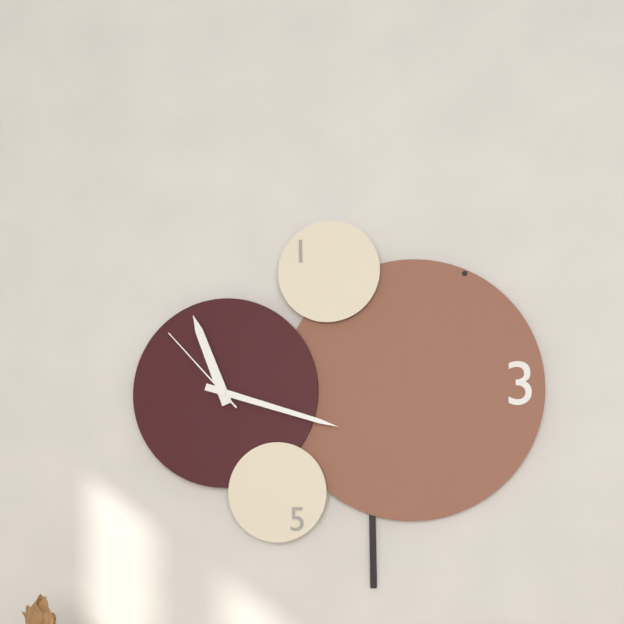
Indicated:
h=11 m=18 s=53
